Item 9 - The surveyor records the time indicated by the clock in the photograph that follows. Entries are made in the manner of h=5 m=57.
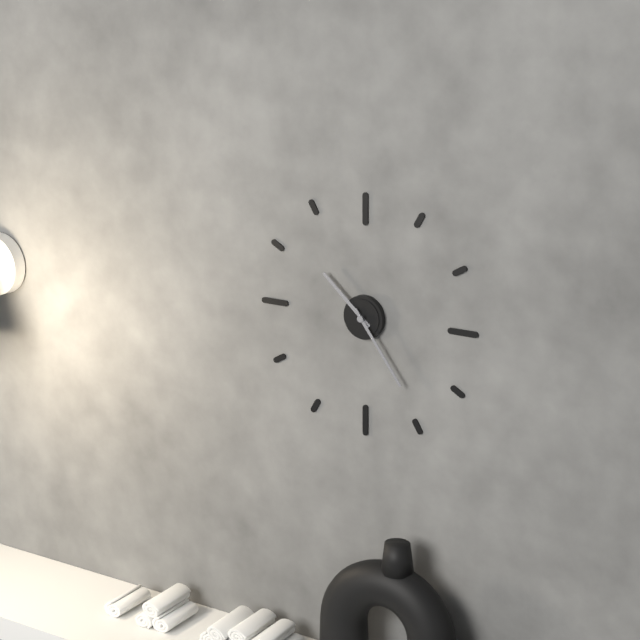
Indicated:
h=10 m=24
